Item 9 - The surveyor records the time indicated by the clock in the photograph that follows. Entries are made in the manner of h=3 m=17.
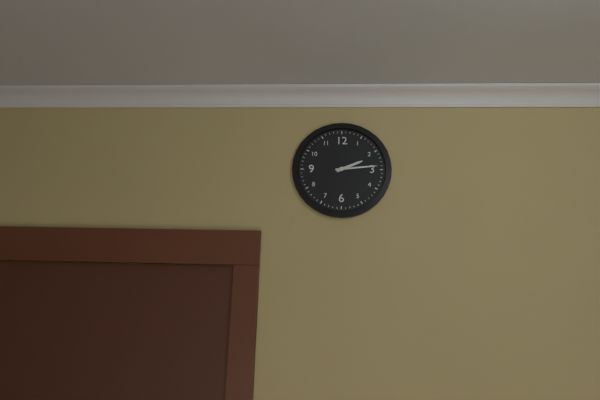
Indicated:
h=2 m=14
